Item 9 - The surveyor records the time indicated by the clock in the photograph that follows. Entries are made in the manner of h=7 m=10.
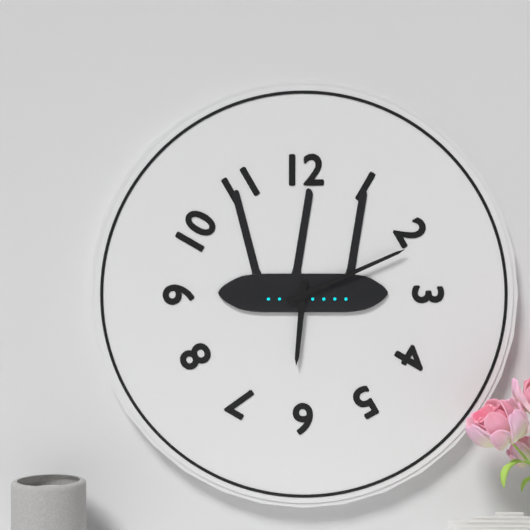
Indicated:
h=6 m=11
